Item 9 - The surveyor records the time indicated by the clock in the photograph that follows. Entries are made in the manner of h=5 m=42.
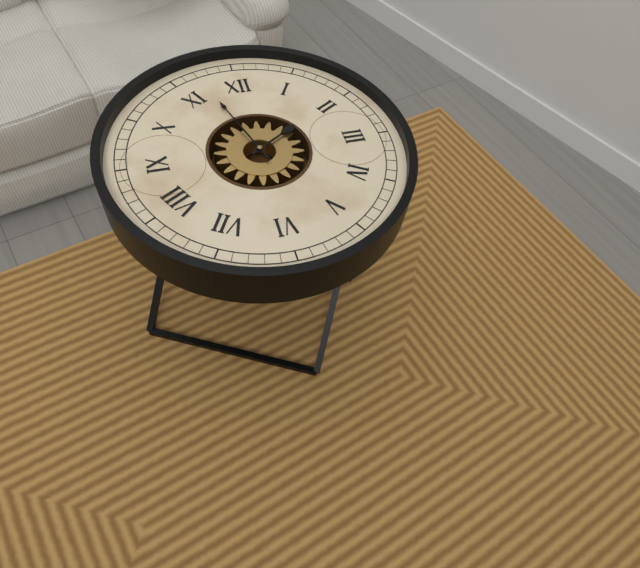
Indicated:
h=1 m=57
